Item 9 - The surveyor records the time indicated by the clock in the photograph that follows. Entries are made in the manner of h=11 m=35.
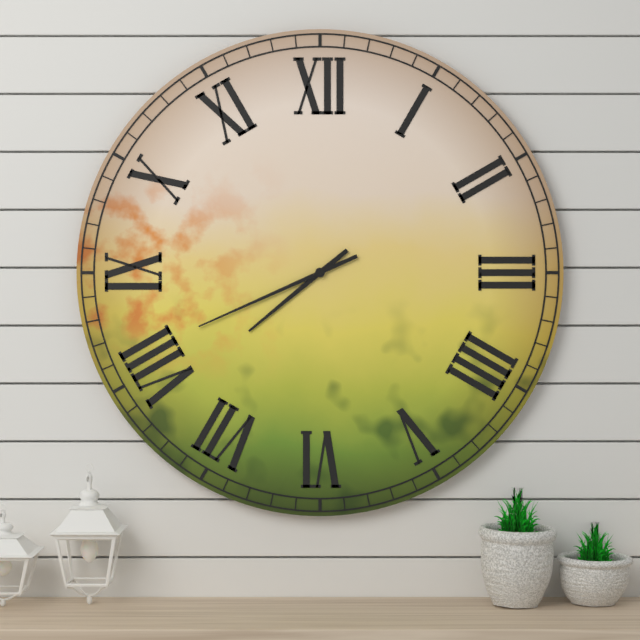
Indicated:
h=7 m=41
